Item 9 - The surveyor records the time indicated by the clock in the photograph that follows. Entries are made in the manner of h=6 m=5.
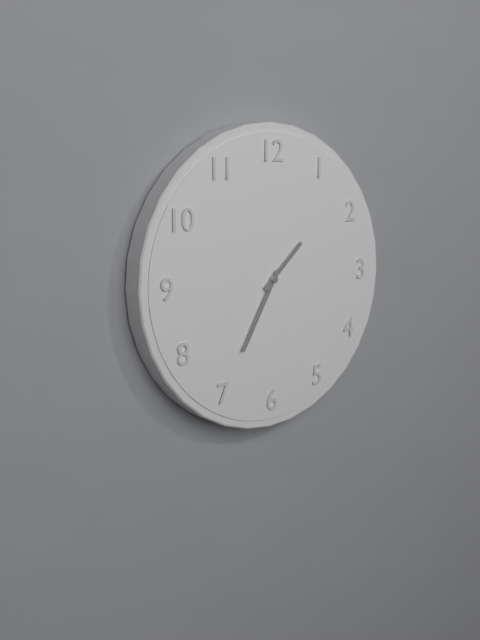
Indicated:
h=1 m=35
